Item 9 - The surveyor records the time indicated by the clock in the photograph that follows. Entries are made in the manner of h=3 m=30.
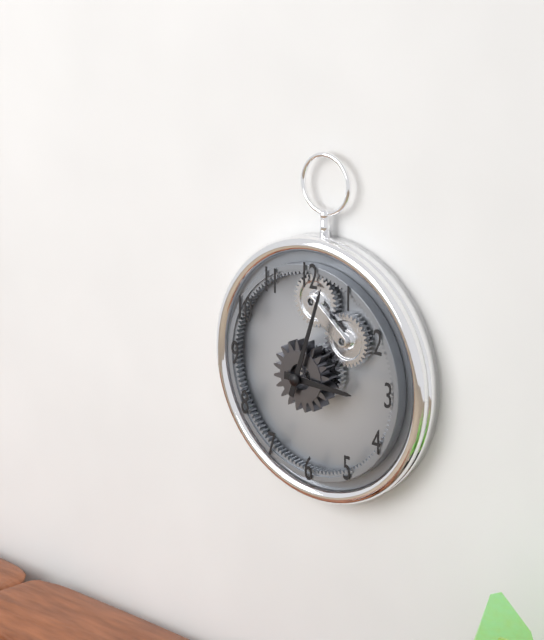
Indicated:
h=3 m=3
